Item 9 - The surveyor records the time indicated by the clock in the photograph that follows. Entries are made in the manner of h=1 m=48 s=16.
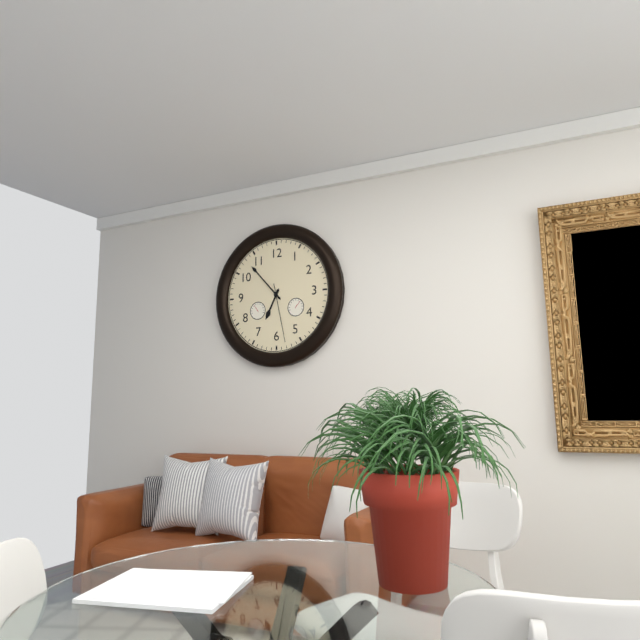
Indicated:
h=6 m=53 s=28
